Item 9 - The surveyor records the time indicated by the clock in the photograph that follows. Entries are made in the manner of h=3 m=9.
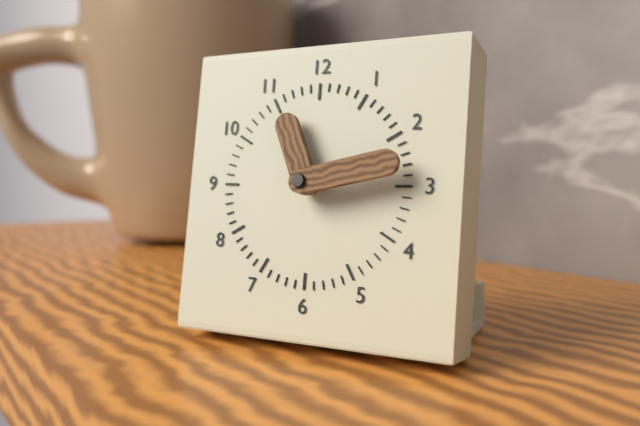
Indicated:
h=11 m=13
